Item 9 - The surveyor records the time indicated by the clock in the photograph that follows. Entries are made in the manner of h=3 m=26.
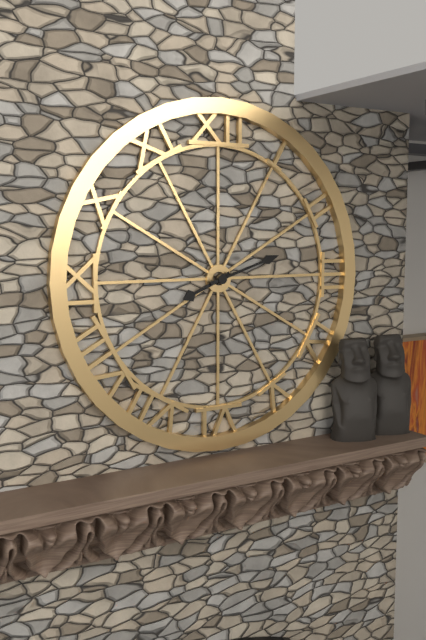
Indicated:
h=8 m=12
